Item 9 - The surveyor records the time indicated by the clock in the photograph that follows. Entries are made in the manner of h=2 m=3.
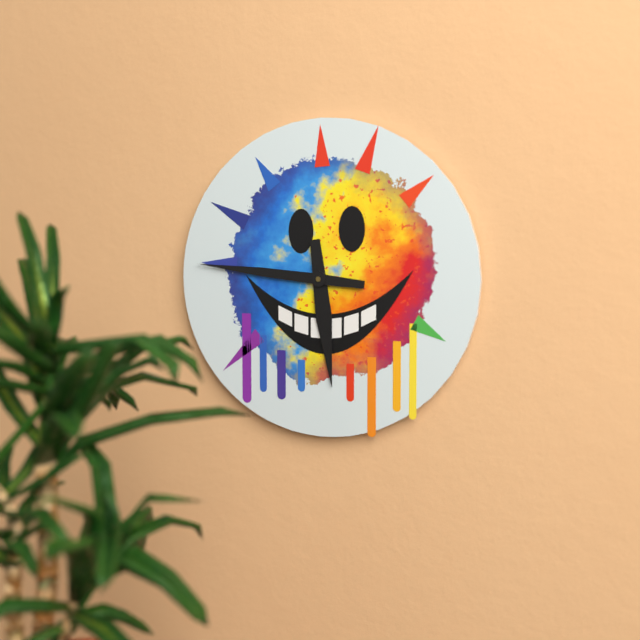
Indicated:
h=5 m=46
